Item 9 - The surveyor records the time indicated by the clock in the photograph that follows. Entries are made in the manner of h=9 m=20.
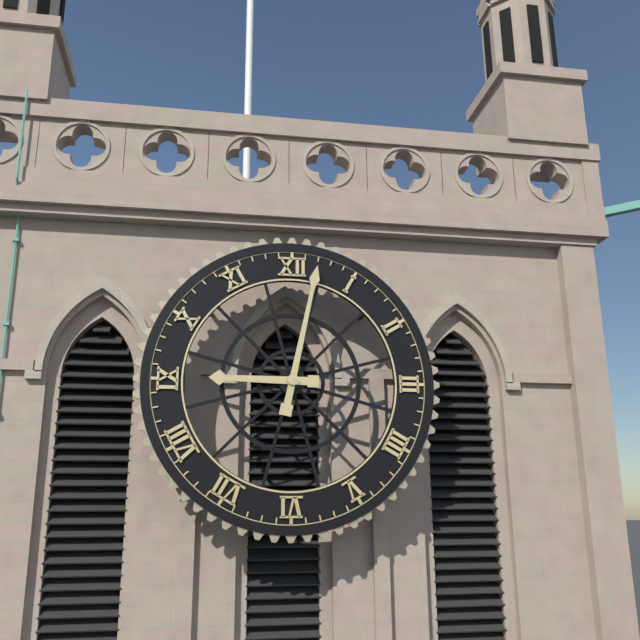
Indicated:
h=9 m=2
